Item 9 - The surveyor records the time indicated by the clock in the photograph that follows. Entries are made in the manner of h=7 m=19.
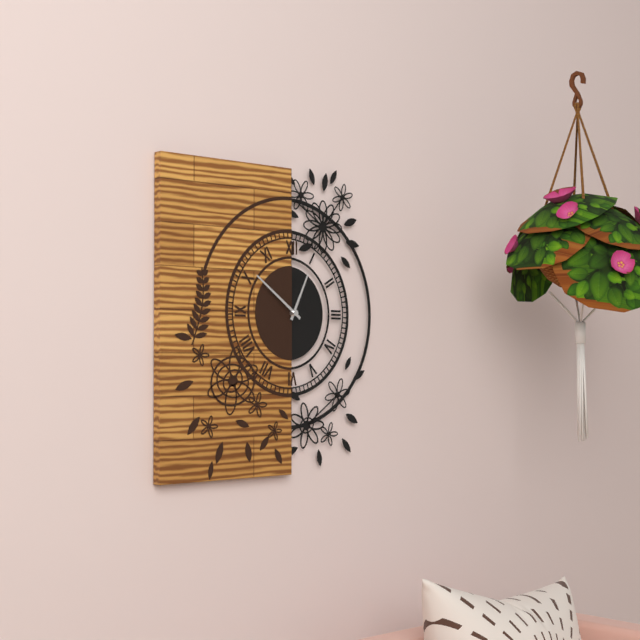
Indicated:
h=12 m=51
